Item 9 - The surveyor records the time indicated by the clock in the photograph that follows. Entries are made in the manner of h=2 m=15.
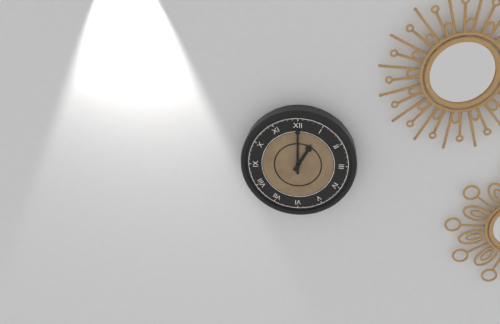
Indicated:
h=1 m=0
